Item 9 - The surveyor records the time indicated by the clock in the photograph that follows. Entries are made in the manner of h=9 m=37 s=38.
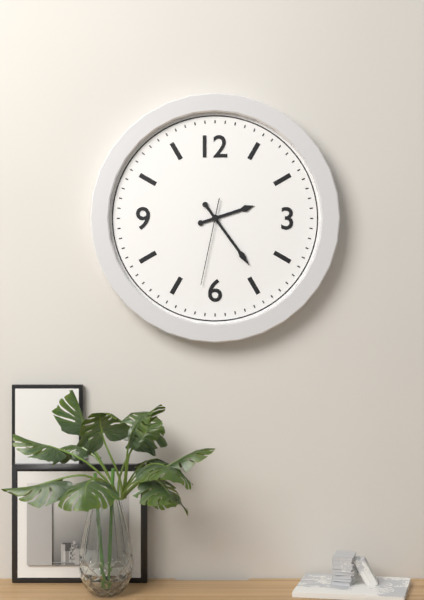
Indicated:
h=2 m=24 s=32
